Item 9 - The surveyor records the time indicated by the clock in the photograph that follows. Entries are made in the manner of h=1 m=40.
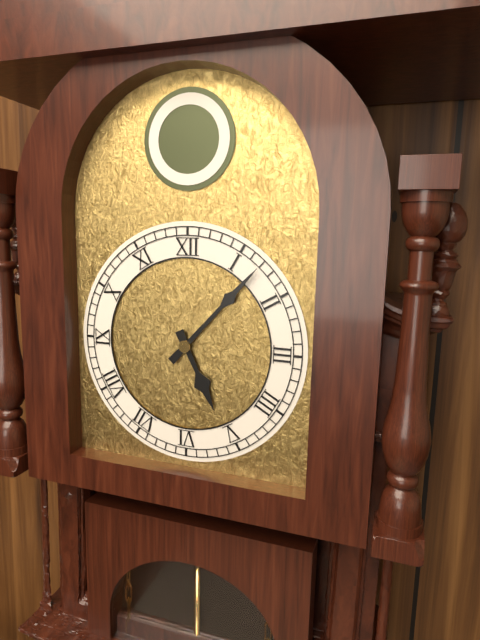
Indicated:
h=5 m=7
